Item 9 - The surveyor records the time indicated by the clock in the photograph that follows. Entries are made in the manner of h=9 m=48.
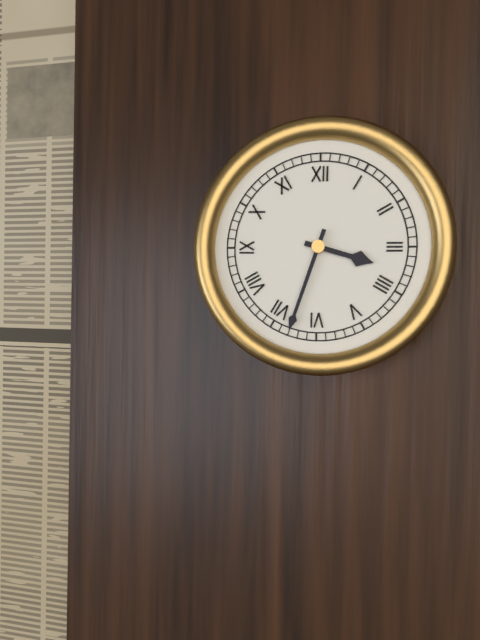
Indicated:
h=3 m=33
